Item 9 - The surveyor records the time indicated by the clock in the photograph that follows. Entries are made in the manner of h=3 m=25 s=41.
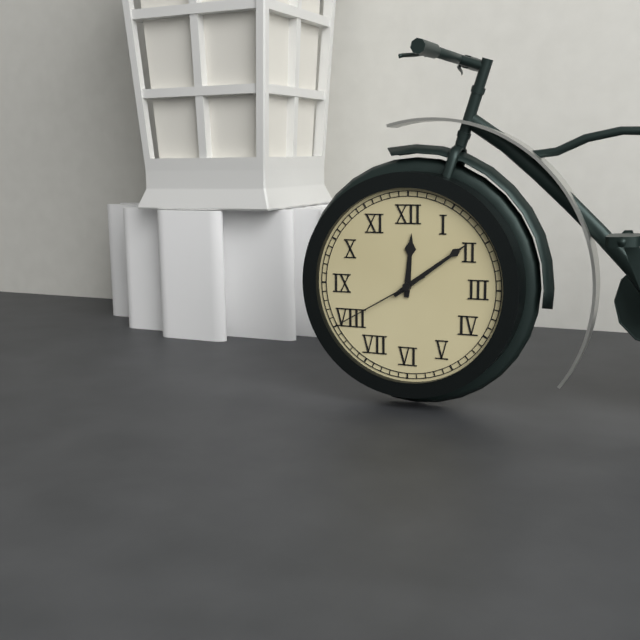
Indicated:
h=12 m=9 s=40
